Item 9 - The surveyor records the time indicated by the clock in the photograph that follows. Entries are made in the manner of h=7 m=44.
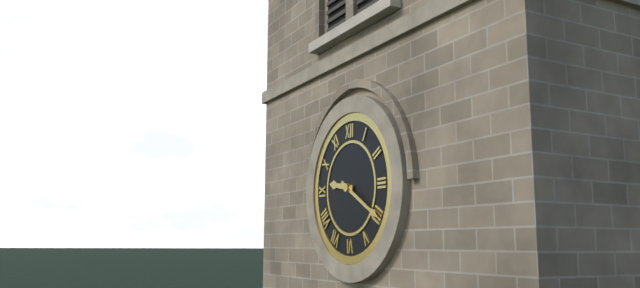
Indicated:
h=9 m=20
